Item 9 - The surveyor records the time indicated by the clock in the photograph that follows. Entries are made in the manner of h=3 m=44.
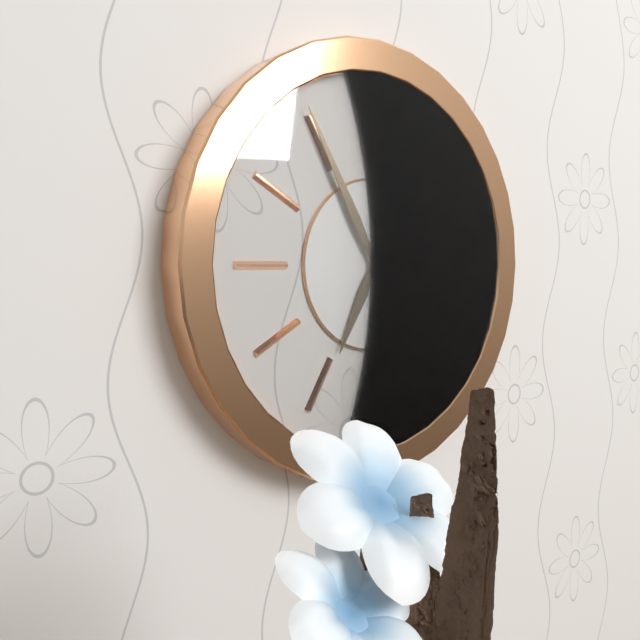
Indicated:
h=6 m=55
